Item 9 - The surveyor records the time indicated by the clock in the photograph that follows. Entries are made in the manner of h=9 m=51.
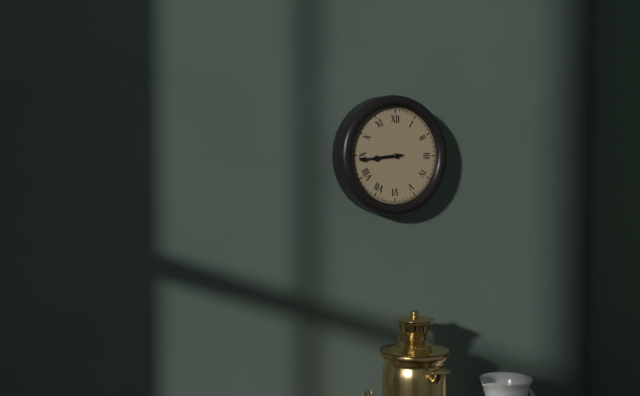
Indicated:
h=8 m=44
